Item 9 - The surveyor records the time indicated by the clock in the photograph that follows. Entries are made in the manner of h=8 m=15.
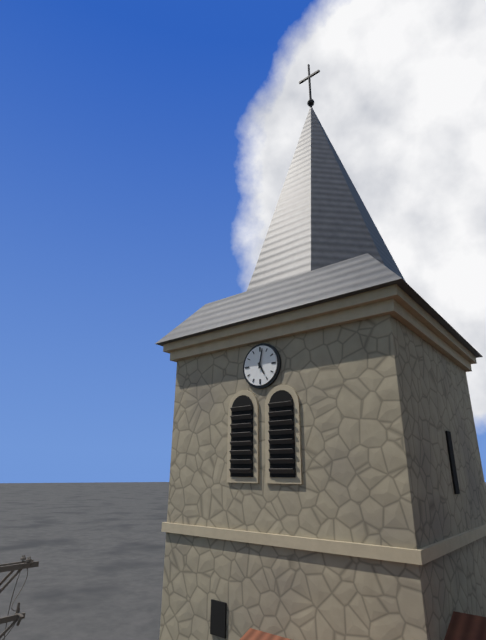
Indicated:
h=5 m=2
